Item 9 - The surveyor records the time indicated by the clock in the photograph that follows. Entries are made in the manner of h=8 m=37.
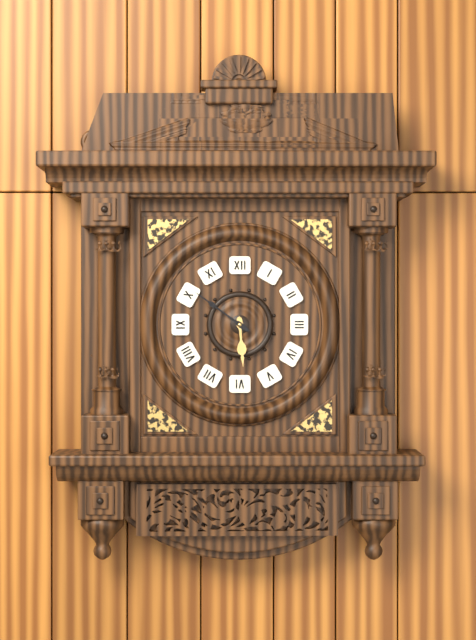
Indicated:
h=5 m=51
